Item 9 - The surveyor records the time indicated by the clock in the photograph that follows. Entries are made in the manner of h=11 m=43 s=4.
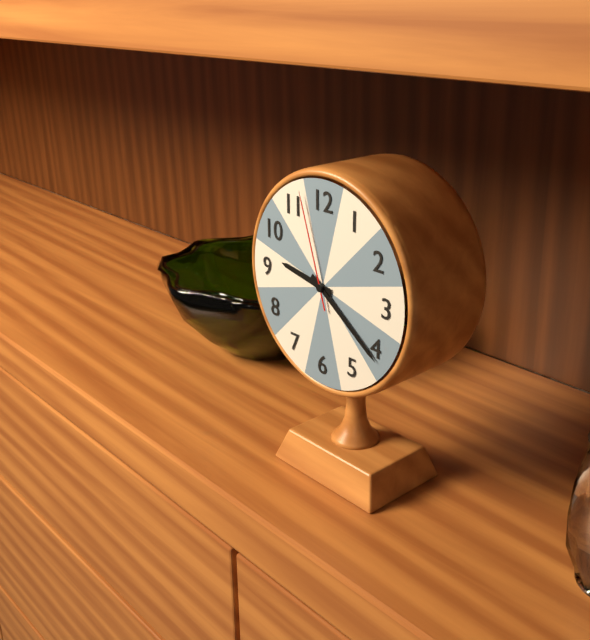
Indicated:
h=9 m=21 s=57
